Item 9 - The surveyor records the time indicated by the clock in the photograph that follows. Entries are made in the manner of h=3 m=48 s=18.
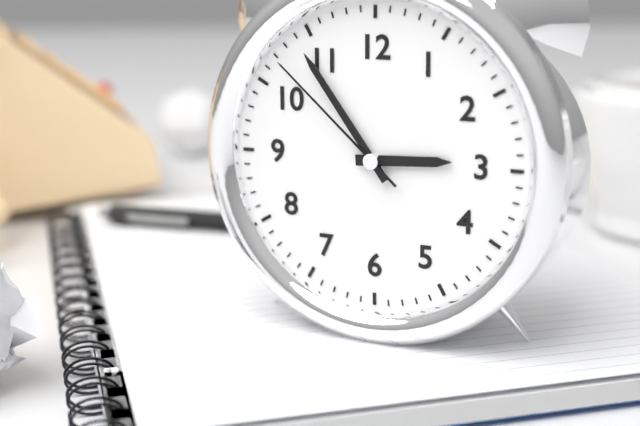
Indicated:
h=2 m=54 s=52
